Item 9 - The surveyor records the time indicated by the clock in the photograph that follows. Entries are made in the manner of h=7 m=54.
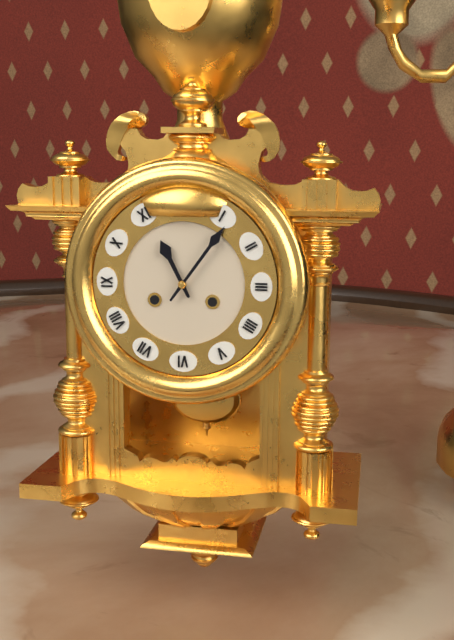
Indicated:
h=11 m=6
